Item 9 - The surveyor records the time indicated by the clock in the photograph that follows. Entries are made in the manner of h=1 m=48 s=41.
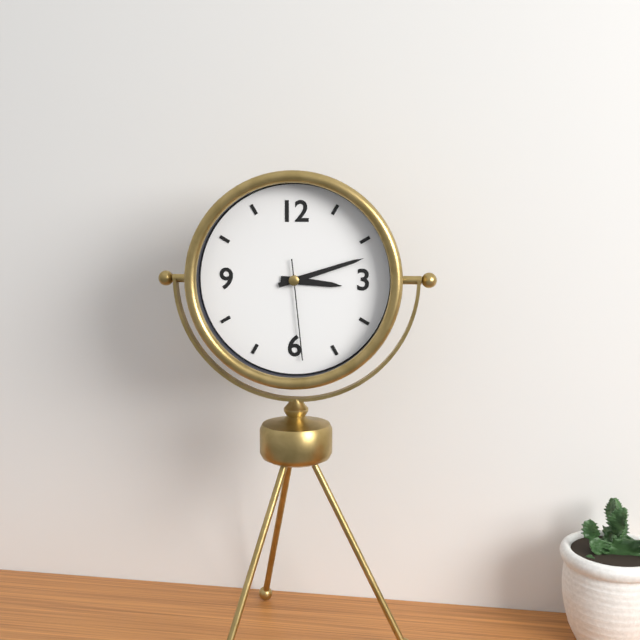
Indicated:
h=3 m=12 s=29
